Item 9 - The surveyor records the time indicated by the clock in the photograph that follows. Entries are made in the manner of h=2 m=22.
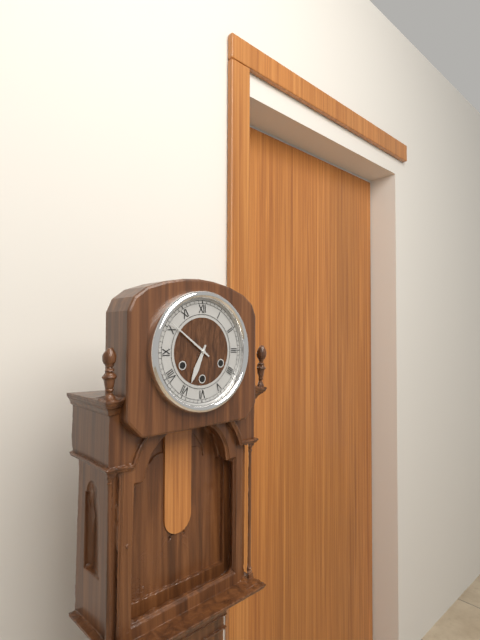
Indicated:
h=6 m=51
